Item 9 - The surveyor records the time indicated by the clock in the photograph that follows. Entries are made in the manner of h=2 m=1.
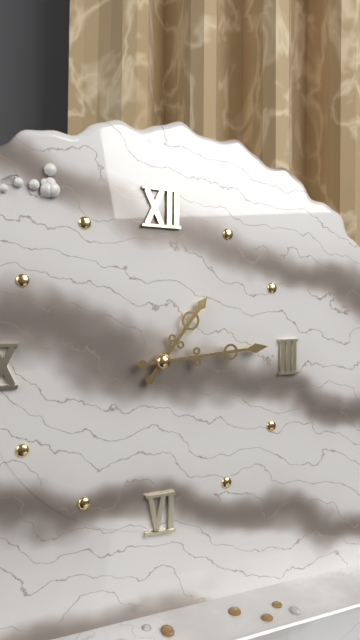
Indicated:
h=1 m=14
